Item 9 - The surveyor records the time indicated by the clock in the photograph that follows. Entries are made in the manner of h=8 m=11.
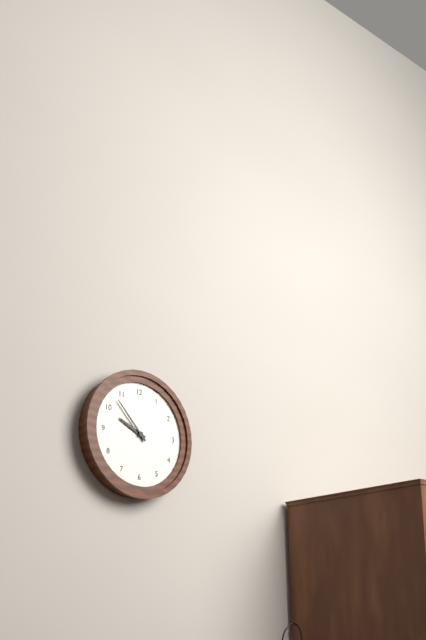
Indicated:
h=9 m=53
